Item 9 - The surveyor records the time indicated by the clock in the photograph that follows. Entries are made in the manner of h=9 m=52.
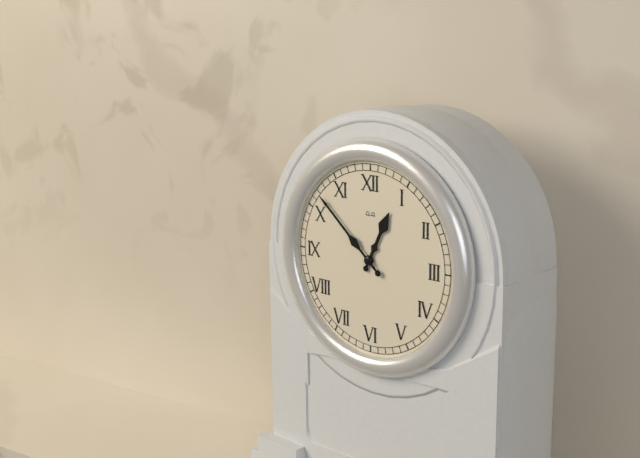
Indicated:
h=12 m=52
